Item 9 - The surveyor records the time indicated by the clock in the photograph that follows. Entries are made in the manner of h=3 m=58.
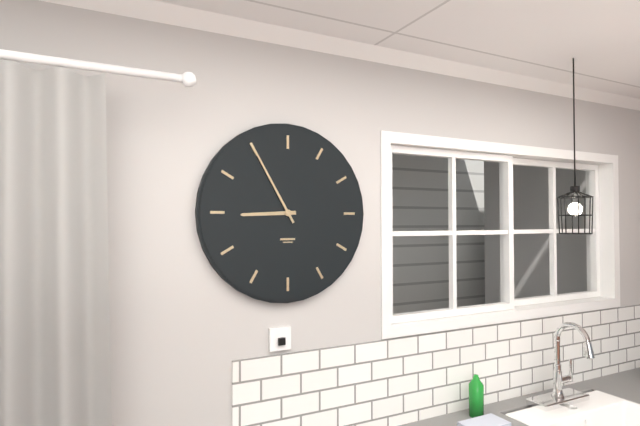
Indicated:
h=8 m=55
